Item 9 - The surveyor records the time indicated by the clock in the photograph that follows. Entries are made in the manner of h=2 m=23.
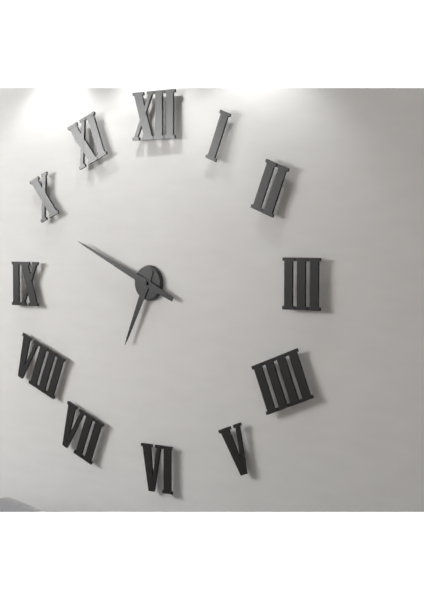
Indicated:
h=6 m=49
